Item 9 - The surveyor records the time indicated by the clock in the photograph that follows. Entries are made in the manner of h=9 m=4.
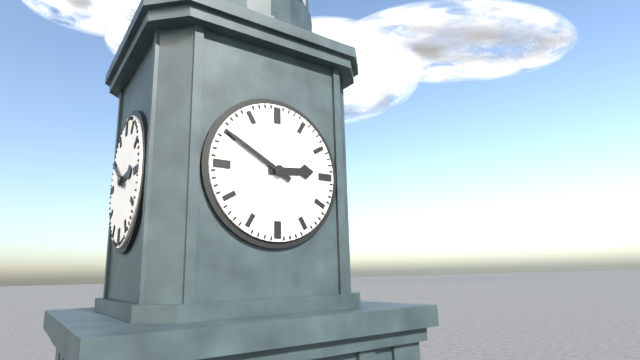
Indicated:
h=2 m=50
